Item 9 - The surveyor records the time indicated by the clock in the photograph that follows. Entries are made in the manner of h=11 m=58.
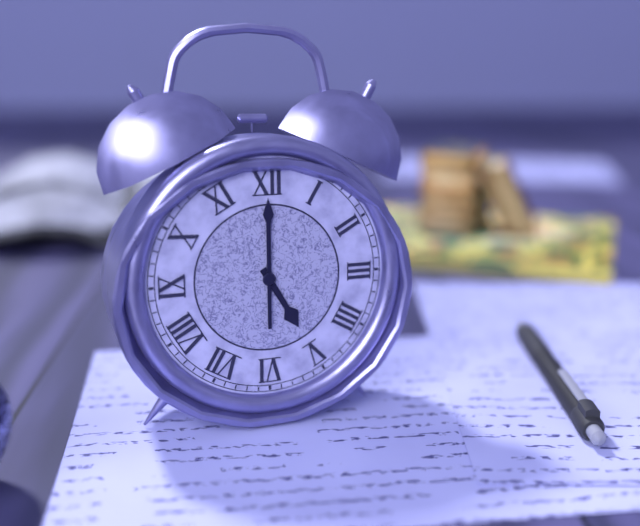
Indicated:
h=5 m=0
